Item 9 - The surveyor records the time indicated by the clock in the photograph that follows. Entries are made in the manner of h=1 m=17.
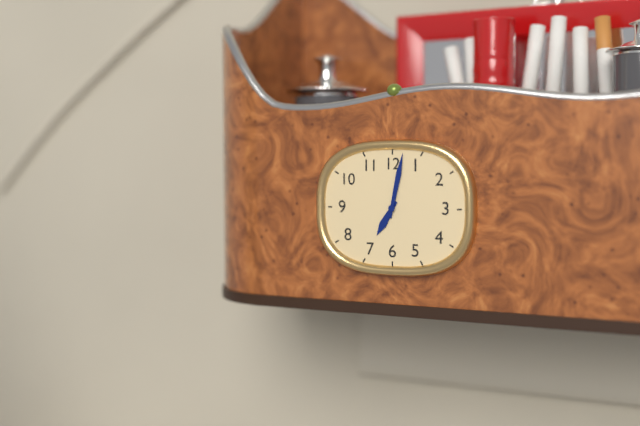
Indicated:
h=7 m=2
